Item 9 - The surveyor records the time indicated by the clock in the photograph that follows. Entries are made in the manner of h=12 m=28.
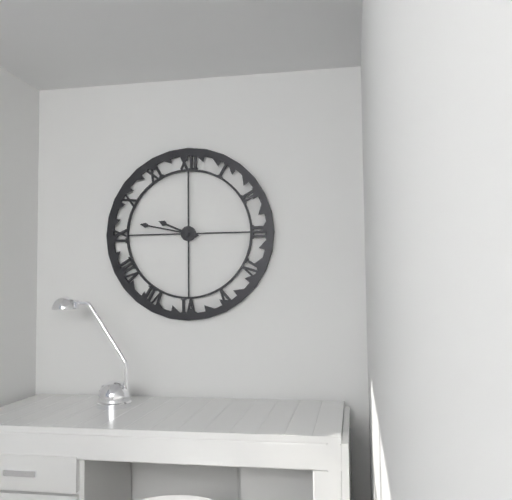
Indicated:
h=9 m=47
